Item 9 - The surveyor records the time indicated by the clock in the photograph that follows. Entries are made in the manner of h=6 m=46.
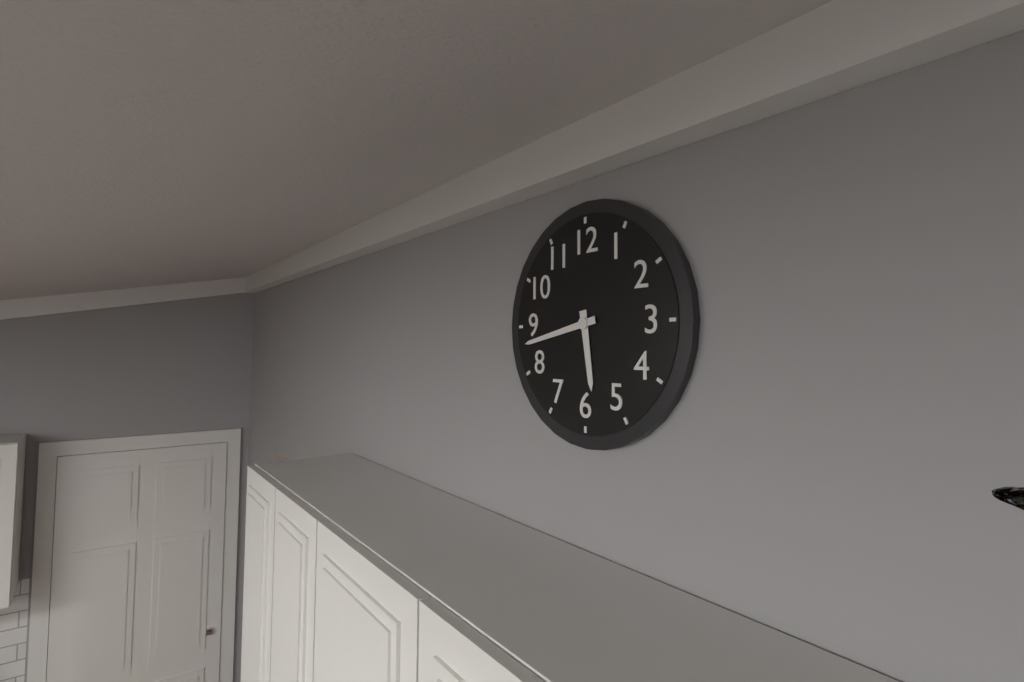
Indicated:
h=5 m=43
